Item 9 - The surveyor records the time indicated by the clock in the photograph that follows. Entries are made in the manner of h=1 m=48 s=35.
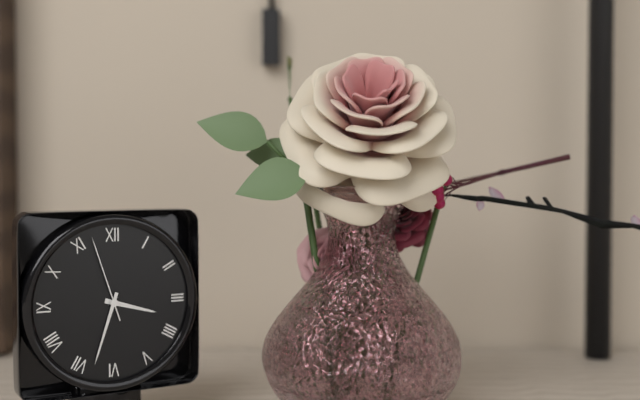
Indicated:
h=3 m=33 s=57
